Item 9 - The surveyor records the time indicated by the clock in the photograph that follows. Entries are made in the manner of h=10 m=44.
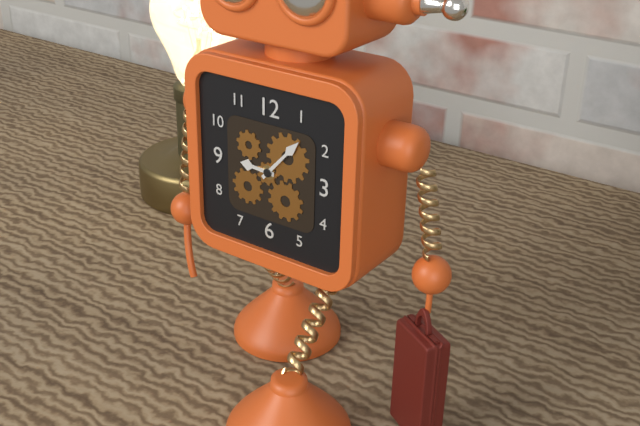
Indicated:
h=9 m=7
